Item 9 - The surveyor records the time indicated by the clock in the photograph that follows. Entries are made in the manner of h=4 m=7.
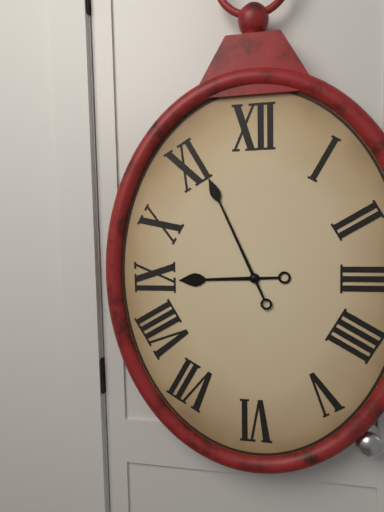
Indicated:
h=8 m=56
